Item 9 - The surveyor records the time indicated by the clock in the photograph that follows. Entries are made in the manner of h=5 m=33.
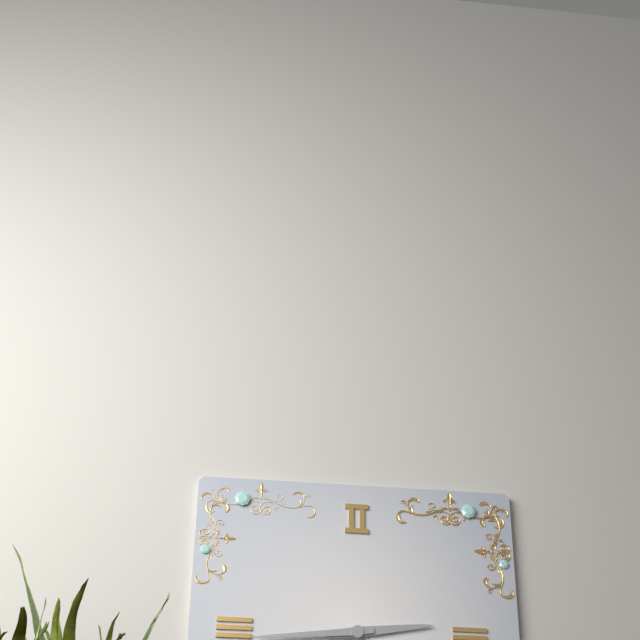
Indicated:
h=2 m=44
